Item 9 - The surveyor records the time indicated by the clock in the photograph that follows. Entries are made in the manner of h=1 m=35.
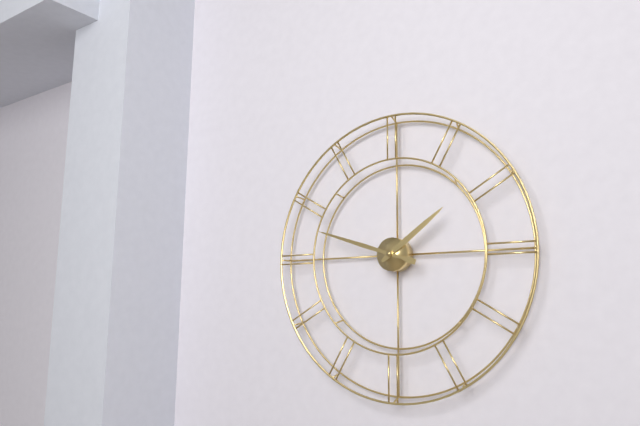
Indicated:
h=1 m=48
